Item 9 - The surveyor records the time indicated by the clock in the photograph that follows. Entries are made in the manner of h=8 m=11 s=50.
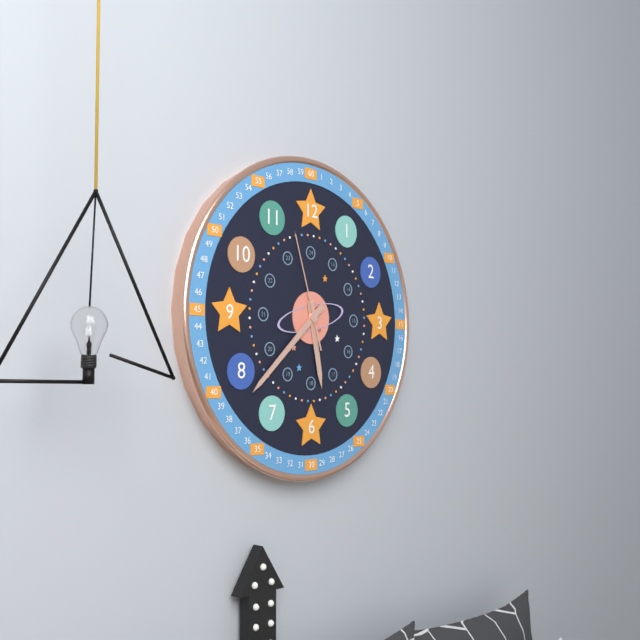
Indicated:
h=5 m=38 s=57
